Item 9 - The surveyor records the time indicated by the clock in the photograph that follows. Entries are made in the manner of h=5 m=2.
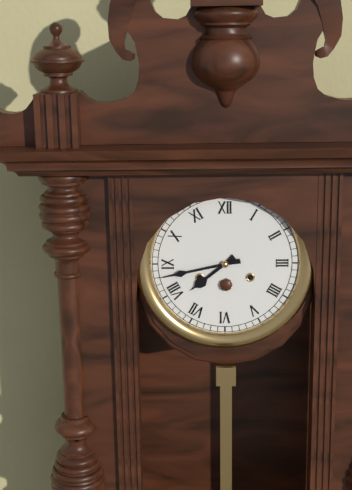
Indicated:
h=7 m=43
